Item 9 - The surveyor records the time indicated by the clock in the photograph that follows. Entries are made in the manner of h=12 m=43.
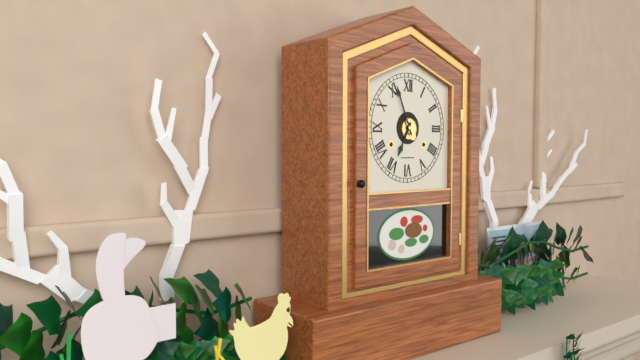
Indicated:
h=6 m=56
